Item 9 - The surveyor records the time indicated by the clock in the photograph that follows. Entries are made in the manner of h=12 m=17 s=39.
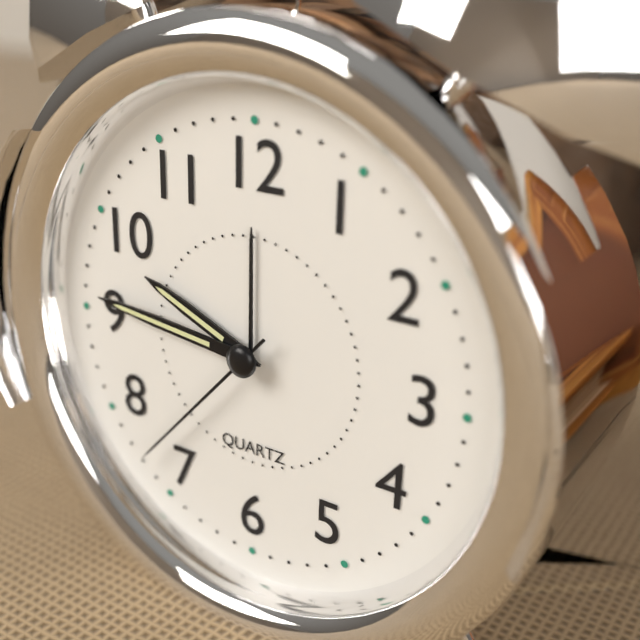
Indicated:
h=9 m=46 s=37
